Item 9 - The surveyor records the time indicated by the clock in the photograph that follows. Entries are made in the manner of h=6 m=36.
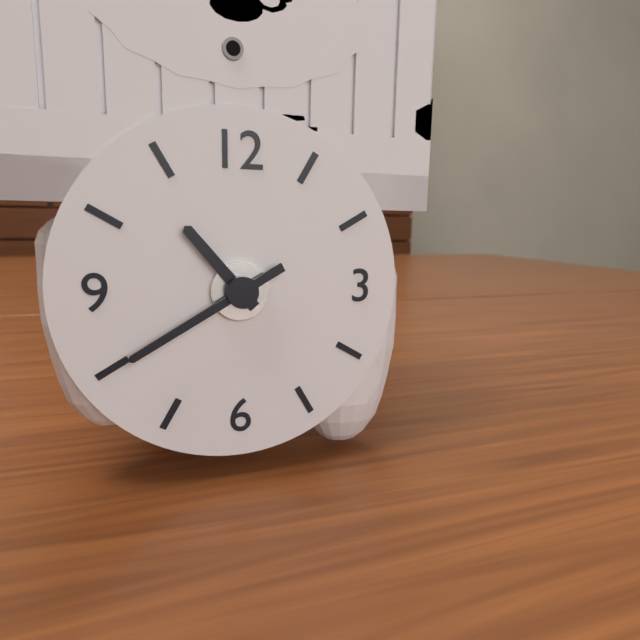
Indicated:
h=10 m=40
